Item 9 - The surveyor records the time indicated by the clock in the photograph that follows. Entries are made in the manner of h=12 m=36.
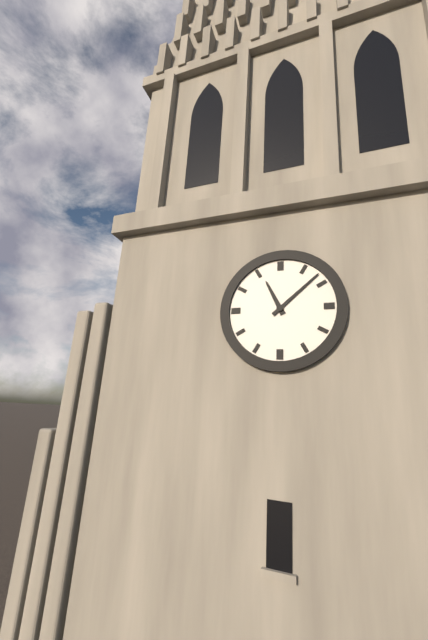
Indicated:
h=11 m=8
